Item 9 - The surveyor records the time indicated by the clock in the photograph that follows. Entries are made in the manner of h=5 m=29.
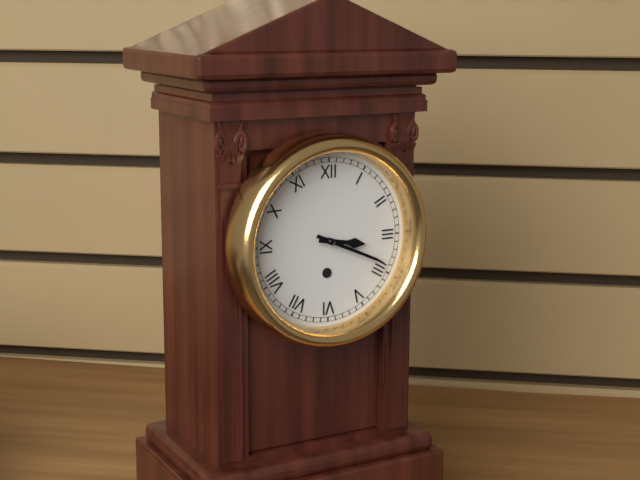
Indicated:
h=3 m=19
